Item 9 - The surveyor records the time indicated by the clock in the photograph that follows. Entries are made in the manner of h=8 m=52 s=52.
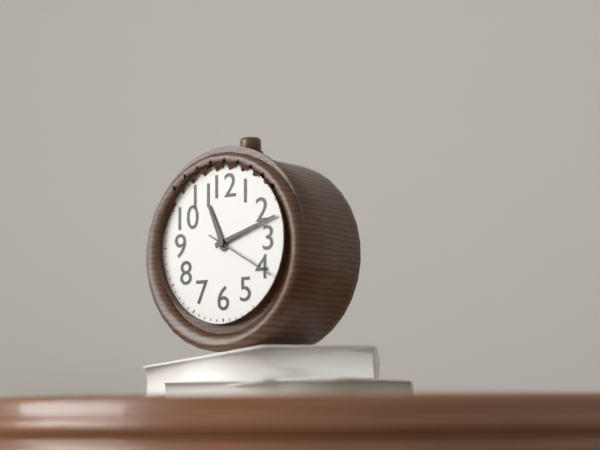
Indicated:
h=11 m=12 s=20
